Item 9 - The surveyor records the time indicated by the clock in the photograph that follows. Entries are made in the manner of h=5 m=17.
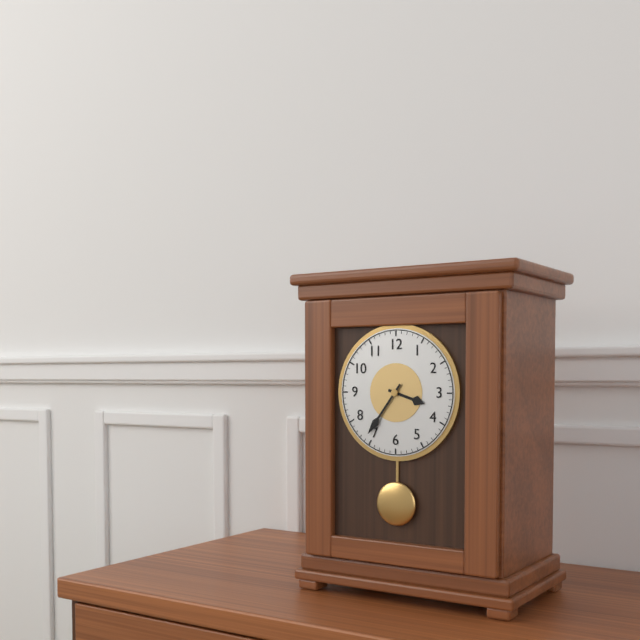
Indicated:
h=3 m=36
